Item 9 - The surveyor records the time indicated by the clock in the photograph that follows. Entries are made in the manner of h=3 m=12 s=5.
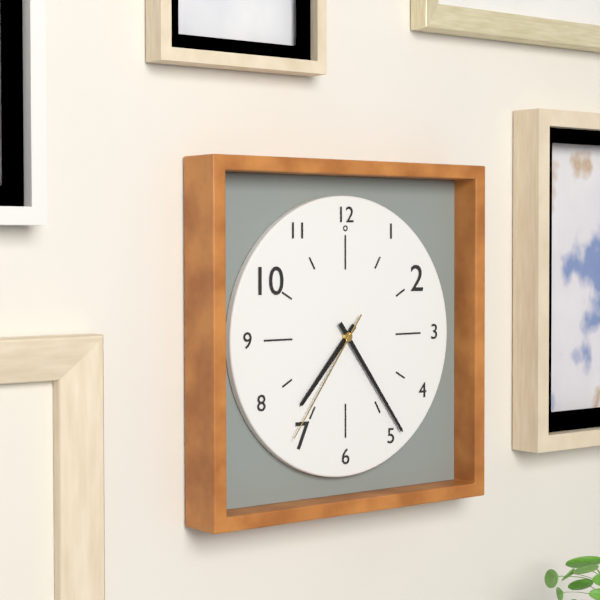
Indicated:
h=7 m=24 s=36
